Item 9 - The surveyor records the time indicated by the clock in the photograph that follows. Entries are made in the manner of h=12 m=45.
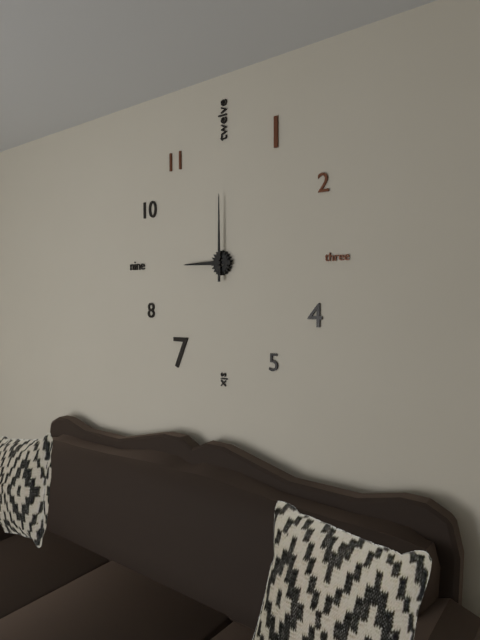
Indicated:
h=9 m=0
